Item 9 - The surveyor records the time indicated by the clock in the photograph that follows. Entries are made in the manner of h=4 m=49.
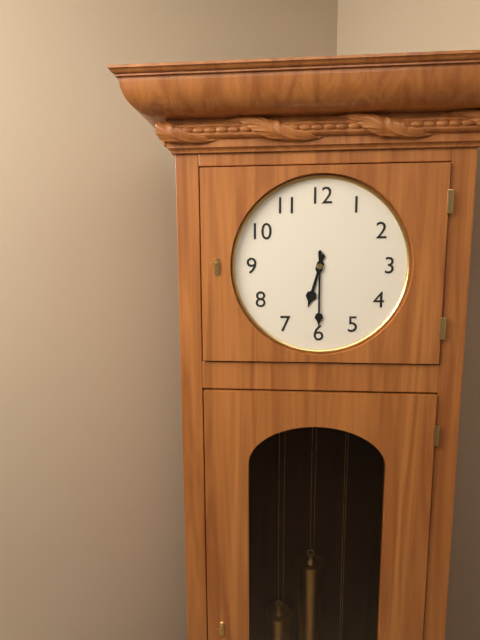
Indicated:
h=6 m=30
